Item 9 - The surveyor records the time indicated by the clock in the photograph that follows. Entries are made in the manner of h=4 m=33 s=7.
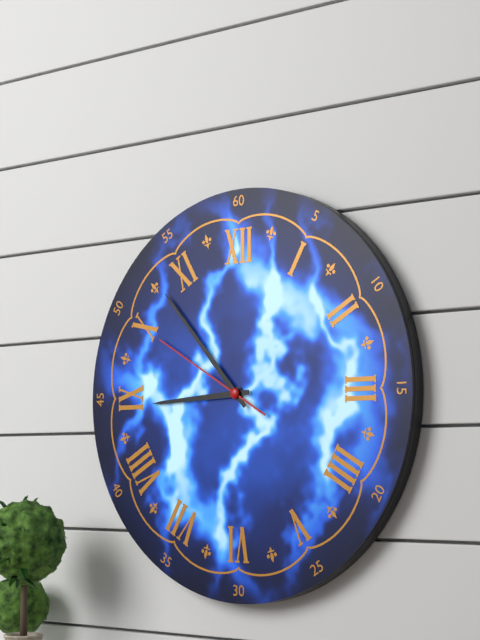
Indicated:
h=8 m=53 s=50
